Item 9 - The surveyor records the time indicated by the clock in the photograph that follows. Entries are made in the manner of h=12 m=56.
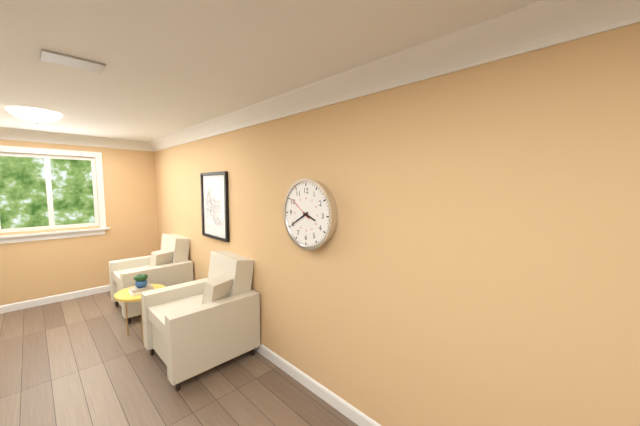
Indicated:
h=3 m=40
